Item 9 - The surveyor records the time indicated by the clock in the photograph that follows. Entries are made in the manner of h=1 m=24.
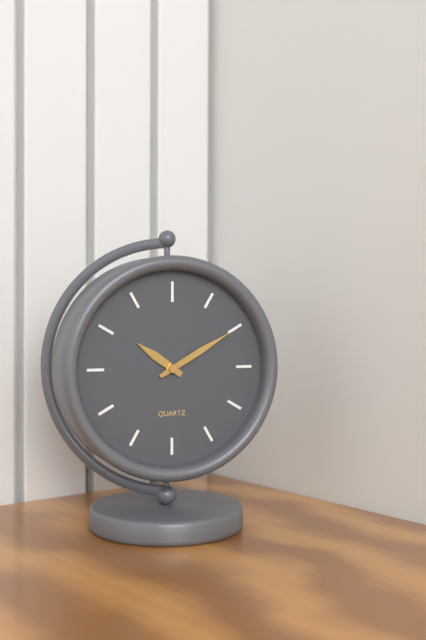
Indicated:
h=10 m=10
